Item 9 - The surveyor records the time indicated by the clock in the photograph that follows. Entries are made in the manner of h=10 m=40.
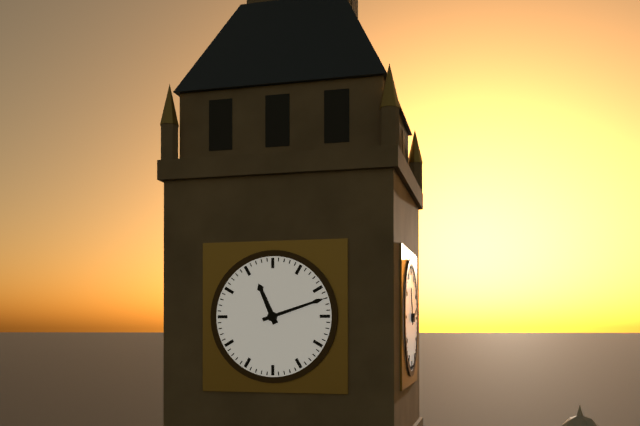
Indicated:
h=11 m=12
